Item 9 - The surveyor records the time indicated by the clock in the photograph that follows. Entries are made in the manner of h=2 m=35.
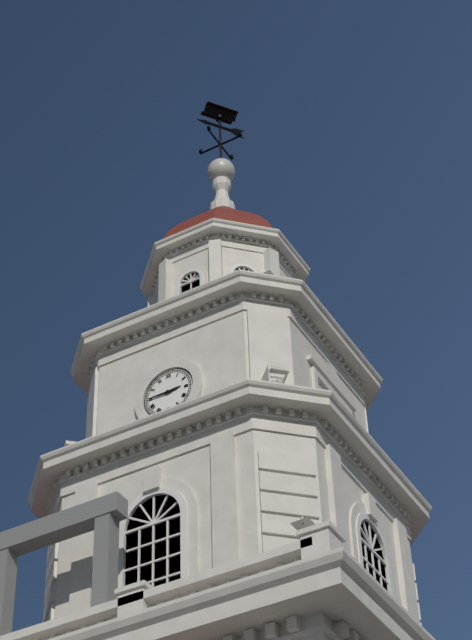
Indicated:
h=2 m=45
